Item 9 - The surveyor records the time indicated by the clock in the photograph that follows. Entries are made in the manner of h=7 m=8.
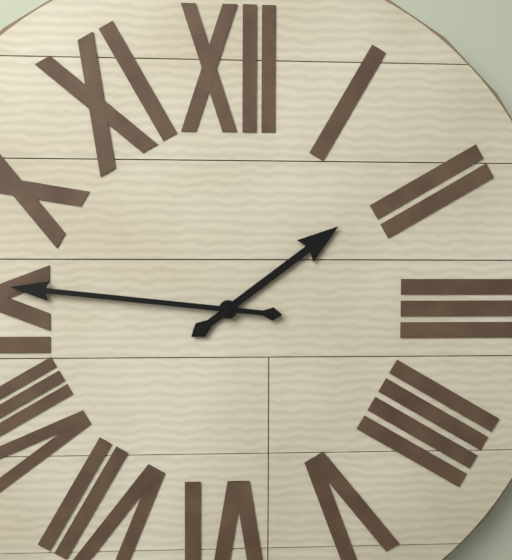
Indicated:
h=1 m=46
